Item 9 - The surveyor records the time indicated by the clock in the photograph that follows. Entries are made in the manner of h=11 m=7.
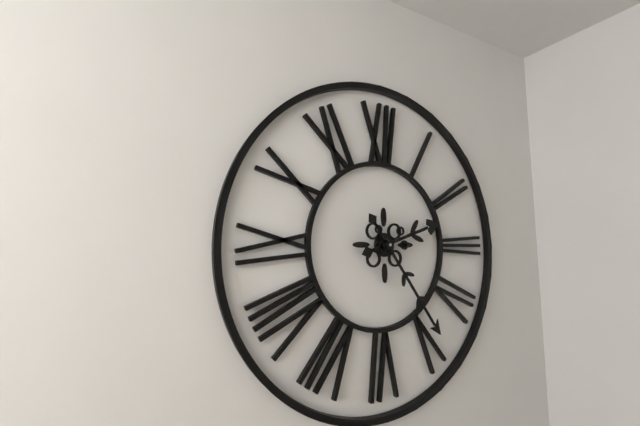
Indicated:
h=2 m=24
